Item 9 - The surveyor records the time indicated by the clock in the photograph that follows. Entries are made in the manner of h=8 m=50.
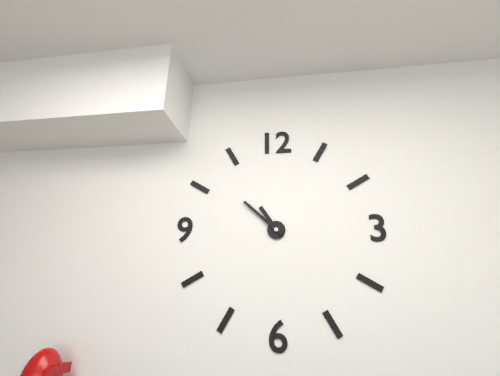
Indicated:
h=10 m=52
